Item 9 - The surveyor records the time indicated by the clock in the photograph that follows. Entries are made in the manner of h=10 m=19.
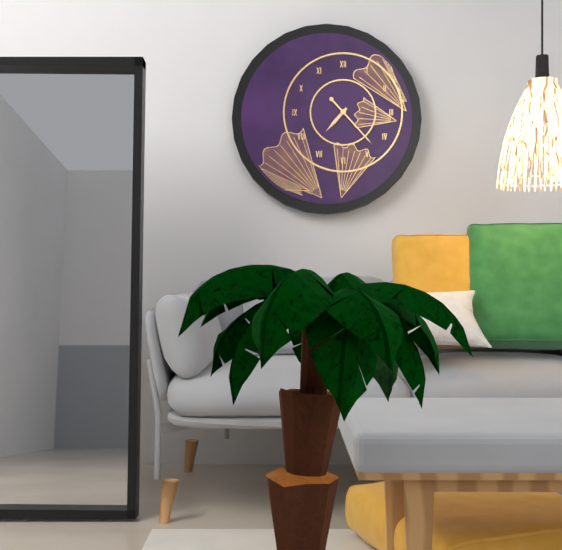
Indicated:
h=7 m=23
